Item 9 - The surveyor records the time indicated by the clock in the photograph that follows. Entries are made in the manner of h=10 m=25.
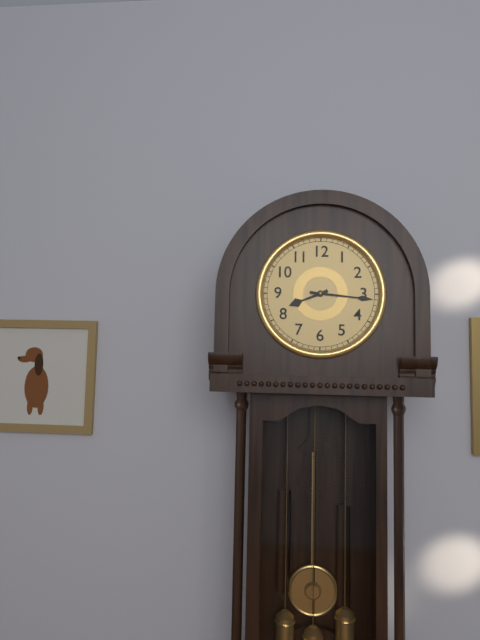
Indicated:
h=8 m=16
